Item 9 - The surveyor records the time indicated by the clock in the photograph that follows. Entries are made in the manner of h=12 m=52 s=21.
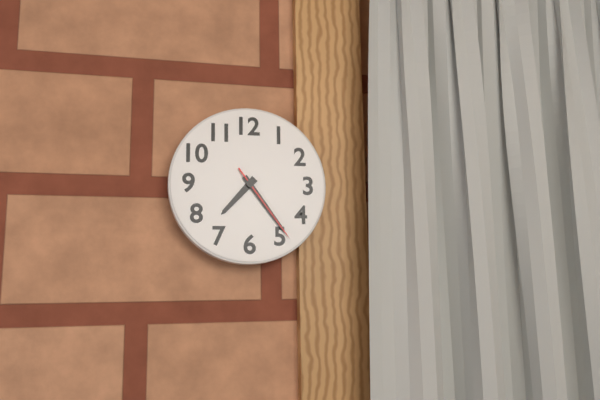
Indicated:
h=7 m=24 s=24
